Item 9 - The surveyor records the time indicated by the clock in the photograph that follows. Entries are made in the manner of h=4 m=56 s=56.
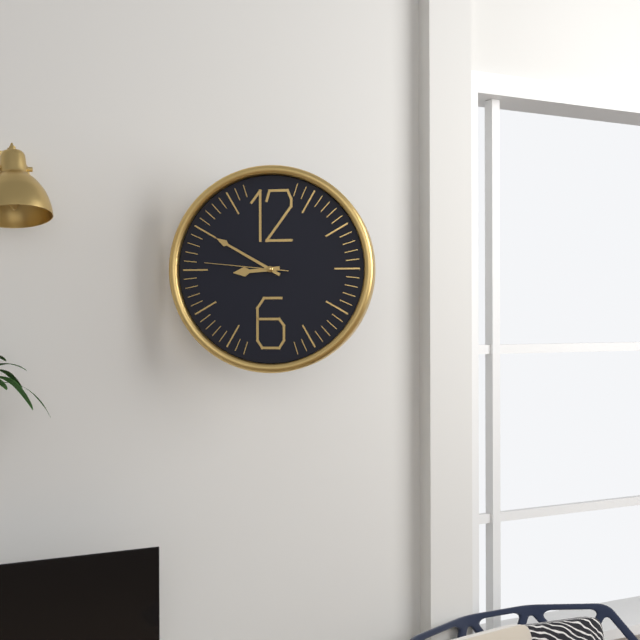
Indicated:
h=8 m=50 s=46
